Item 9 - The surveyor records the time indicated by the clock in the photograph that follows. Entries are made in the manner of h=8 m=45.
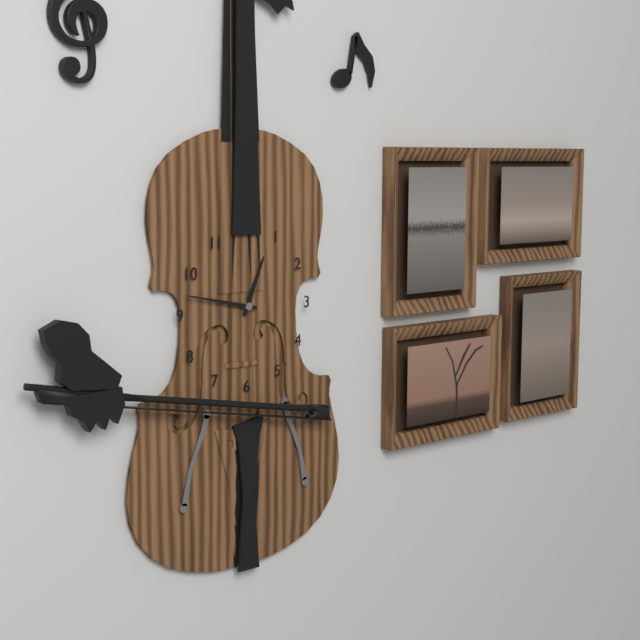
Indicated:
h=12 m=47
